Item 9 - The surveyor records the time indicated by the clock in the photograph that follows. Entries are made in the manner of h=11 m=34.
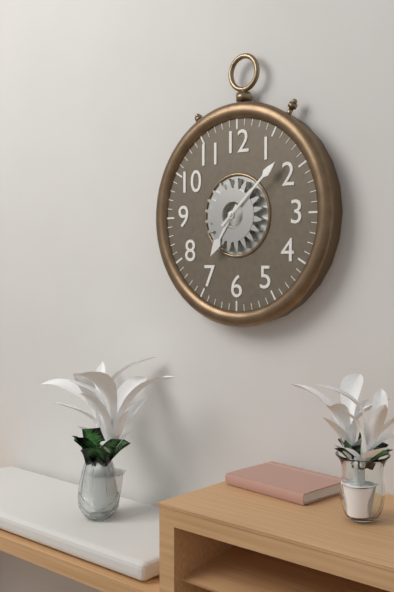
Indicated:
h=7 m=8
